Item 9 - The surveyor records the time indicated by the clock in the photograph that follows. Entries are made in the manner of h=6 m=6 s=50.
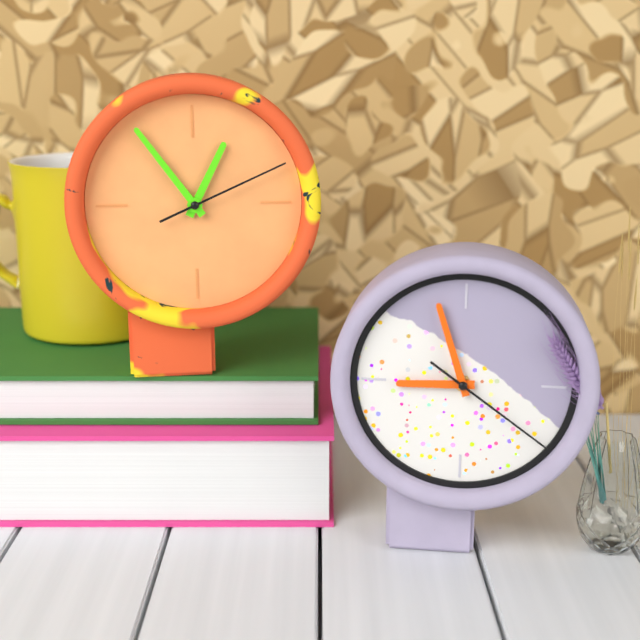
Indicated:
h=12 m=54 s=11
